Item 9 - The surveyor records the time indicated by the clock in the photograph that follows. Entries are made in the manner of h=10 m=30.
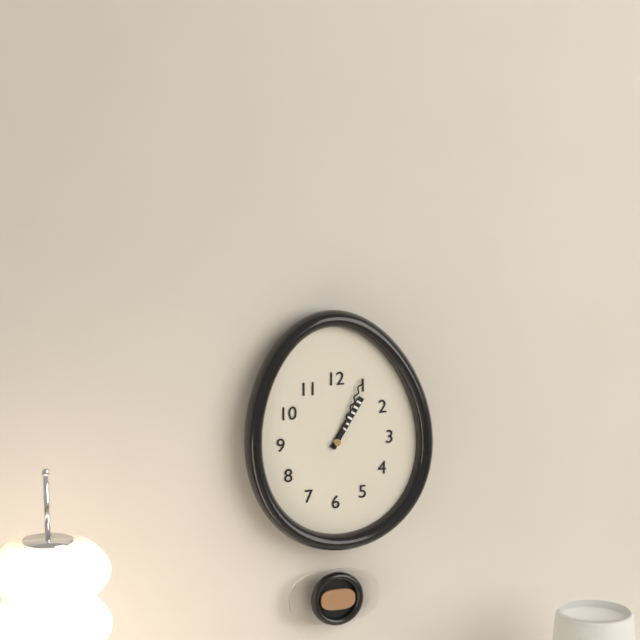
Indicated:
h=1 m=4
